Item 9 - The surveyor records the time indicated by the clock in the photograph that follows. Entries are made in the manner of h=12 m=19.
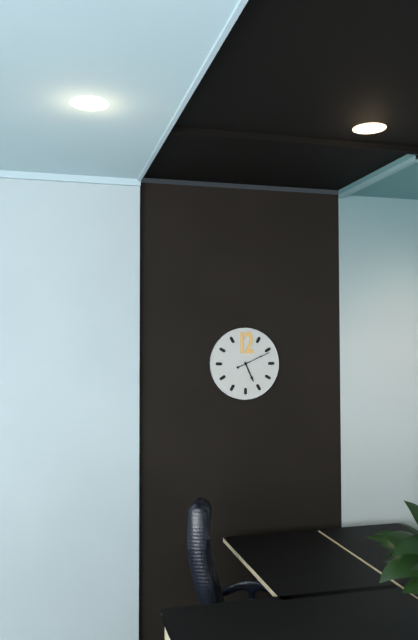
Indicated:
h=5 m=11
